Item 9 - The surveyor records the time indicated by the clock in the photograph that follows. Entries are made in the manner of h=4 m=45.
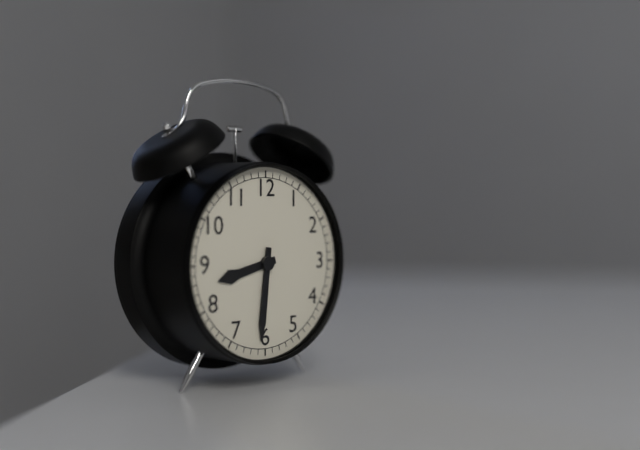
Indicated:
h=8 m=31
